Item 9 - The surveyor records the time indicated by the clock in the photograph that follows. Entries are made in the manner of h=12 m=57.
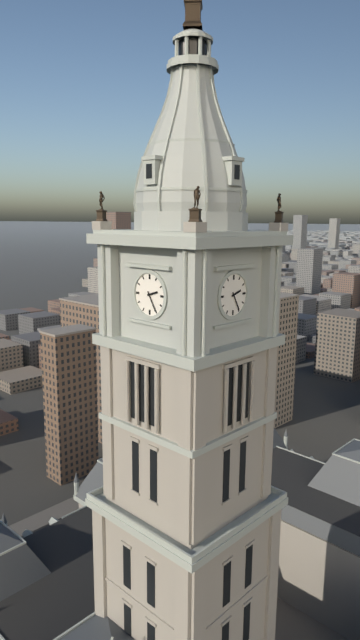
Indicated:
h=2 m=25
